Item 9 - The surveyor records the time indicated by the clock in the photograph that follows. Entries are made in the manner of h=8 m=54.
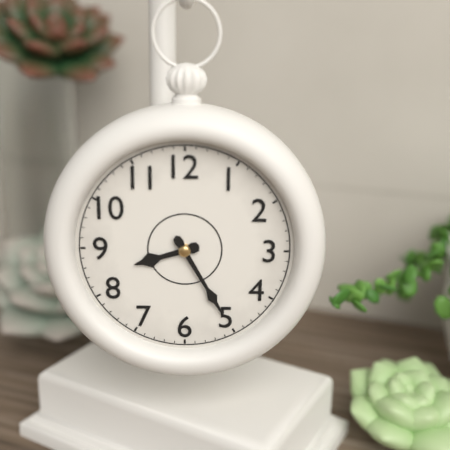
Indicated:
h=8 m=25
